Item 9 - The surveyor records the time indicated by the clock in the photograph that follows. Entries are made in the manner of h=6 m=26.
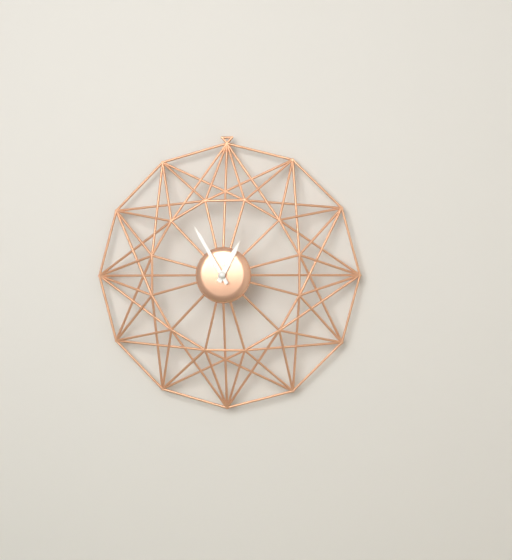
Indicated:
h=12 m=55
